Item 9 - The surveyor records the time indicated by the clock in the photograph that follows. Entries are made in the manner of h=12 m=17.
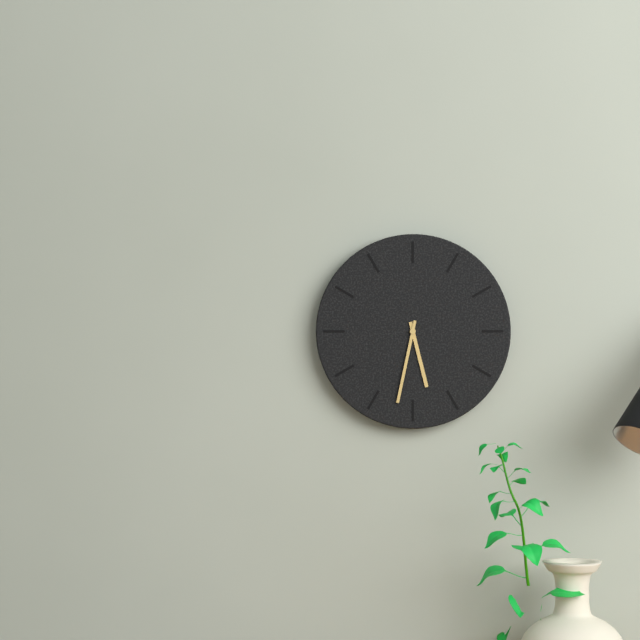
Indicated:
h=5 m=32
